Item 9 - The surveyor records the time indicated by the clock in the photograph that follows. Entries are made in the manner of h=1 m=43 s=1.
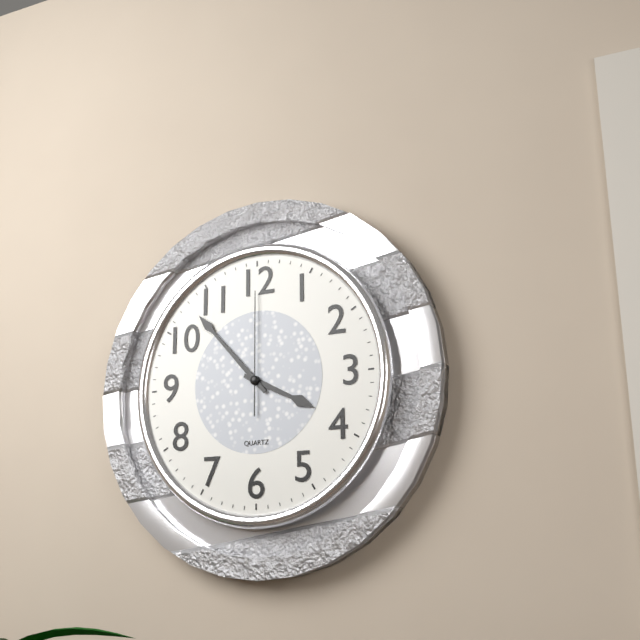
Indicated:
h=3 m=53 s=0
